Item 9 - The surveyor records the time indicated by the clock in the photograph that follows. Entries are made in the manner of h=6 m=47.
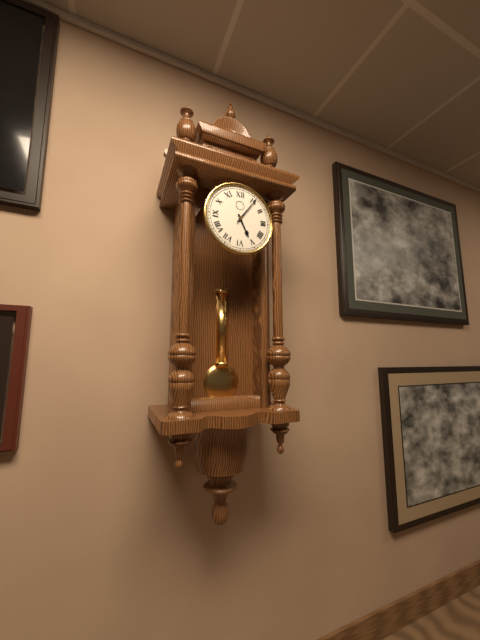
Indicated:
h=5 m=6
